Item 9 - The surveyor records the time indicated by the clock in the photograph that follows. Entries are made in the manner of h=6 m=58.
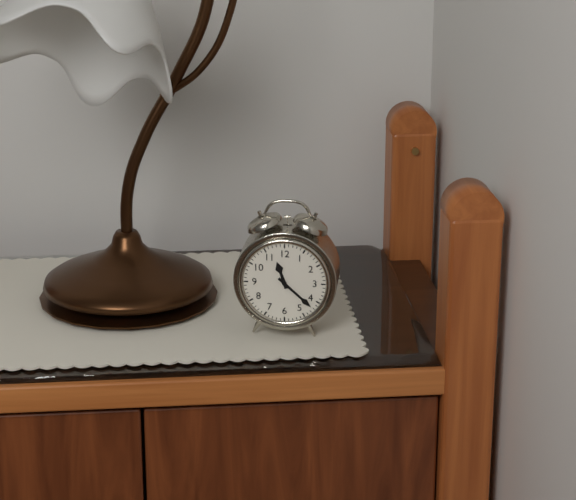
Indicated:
h=11 m=22
